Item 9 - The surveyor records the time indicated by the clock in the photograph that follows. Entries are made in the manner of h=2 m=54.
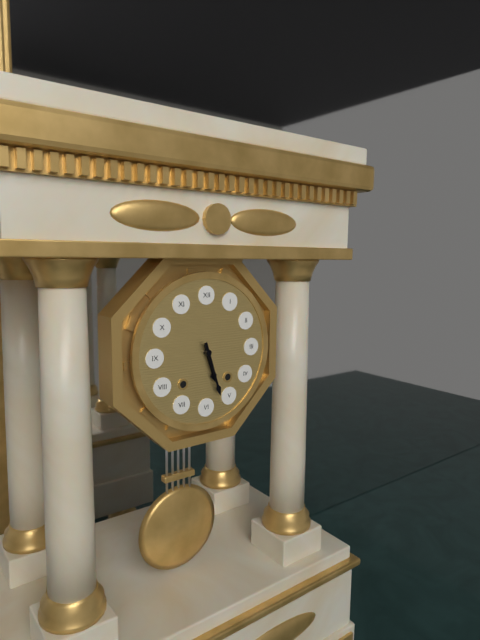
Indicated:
h=5 m=27
